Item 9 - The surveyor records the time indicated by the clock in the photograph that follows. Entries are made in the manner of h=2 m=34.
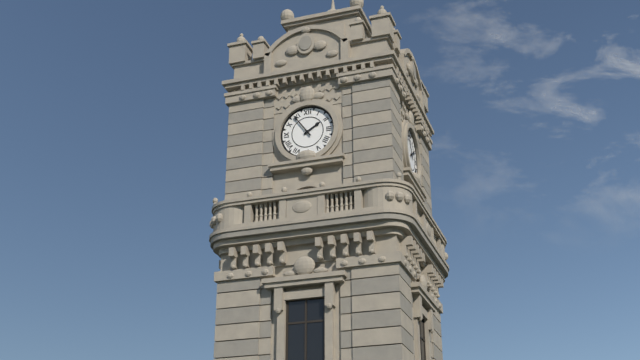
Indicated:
h=1 m=54
